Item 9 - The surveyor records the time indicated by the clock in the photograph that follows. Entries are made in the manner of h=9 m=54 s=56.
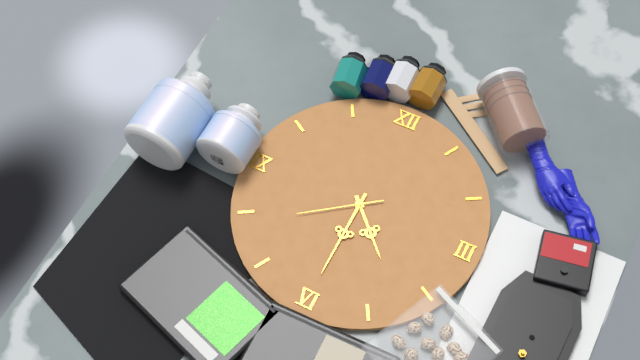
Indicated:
h=4 m=30 s=39
